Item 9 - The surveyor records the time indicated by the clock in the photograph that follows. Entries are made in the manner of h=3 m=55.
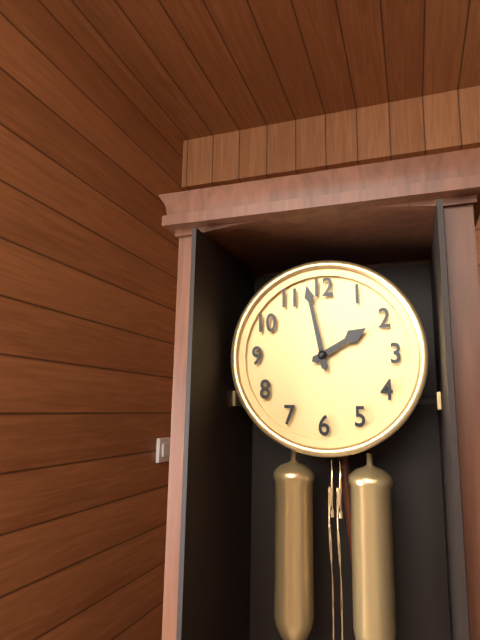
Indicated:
h=1 m=58
